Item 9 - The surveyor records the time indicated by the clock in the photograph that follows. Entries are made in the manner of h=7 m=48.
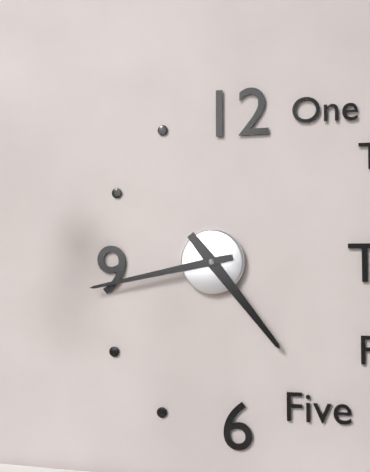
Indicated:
h=4 m=43
